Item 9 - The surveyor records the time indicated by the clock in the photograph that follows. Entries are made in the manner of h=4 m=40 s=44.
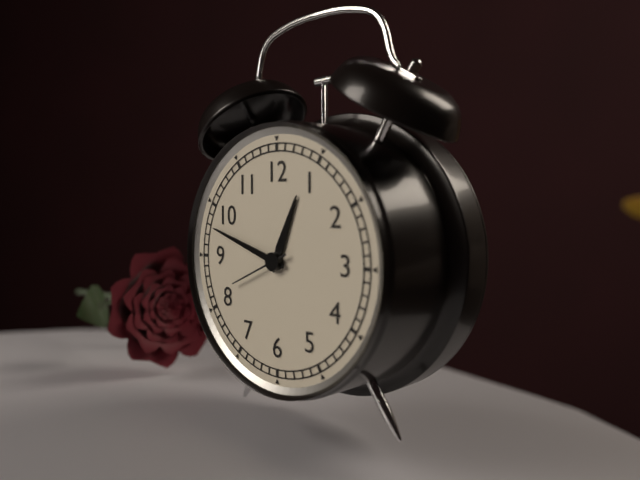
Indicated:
h=12 m=48 s=41
